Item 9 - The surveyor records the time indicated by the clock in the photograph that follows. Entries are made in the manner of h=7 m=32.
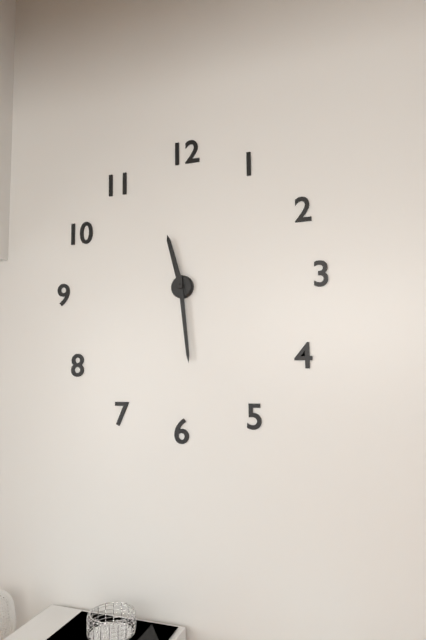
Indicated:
h=11 m=29
